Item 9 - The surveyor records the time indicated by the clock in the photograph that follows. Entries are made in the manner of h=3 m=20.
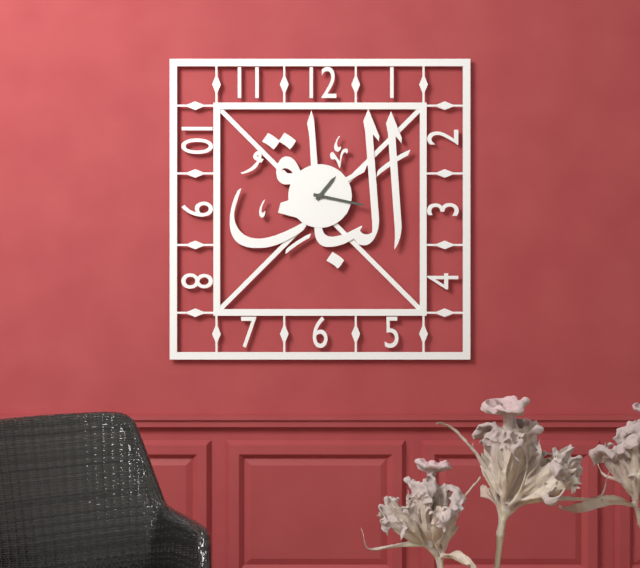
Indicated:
h=1 m=17
